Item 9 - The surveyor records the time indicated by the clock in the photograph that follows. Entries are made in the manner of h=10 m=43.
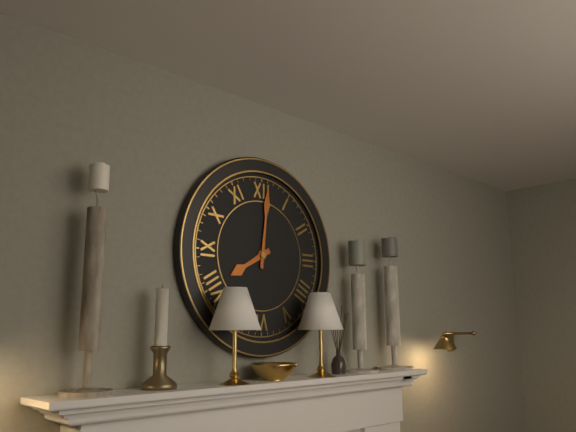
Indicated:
h=8 m=1
